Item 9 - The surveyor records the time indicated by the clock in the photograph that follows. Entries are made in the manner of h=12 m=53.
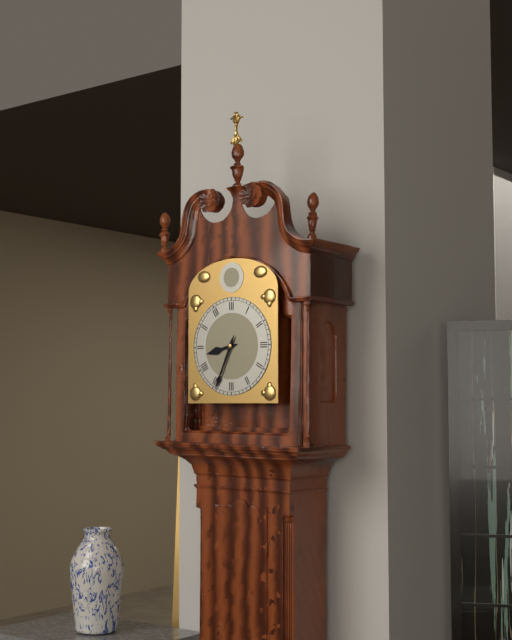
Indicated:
h=8 m=34
